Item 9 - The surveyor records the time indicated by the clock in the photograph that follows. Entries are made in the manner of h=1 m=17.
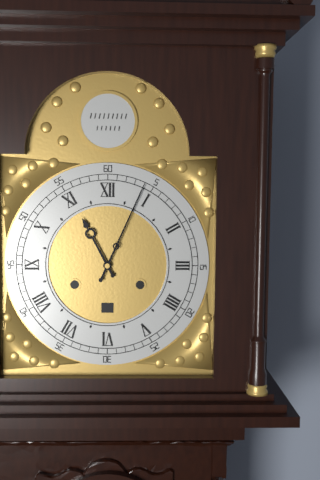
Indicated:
h=11 m=4
